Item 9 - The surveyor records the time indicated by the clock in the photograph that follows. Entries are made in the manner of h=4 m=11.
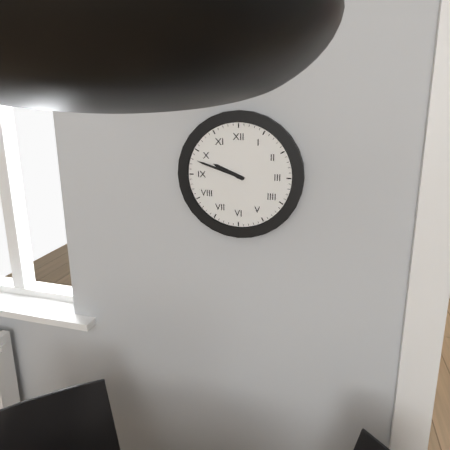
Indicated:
h=9 m=48
